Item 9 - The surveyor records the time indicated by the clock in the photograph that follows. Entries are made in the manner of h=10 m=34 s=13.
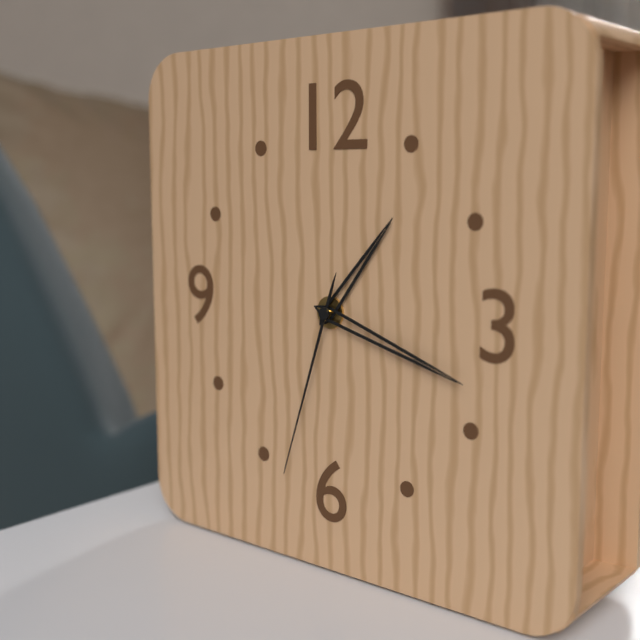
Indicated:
h=1 m=18 s=33
